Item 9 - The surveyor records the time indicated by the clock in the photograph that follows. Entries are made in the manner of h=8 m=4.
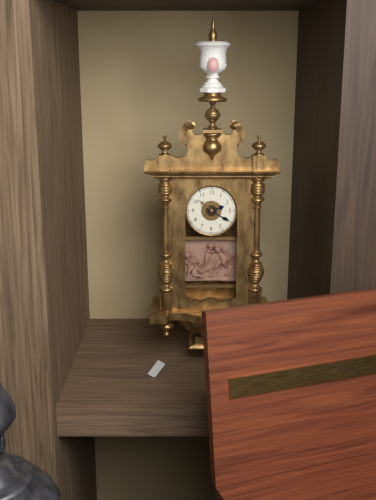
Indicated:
h=2 m=20
